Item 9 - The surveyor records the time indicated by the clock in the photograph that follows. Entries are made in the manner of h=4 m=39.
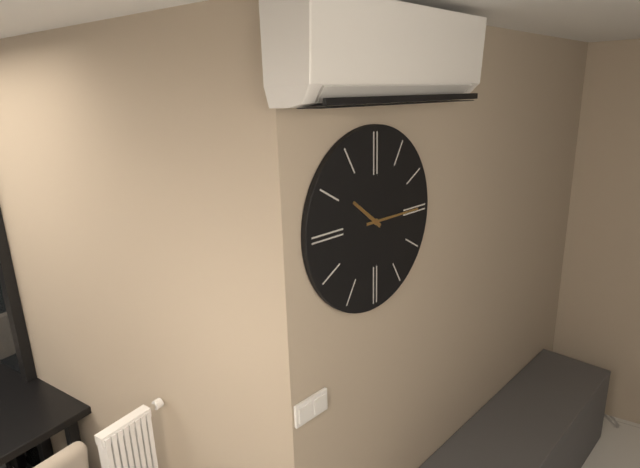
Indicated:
h=10 m=15
